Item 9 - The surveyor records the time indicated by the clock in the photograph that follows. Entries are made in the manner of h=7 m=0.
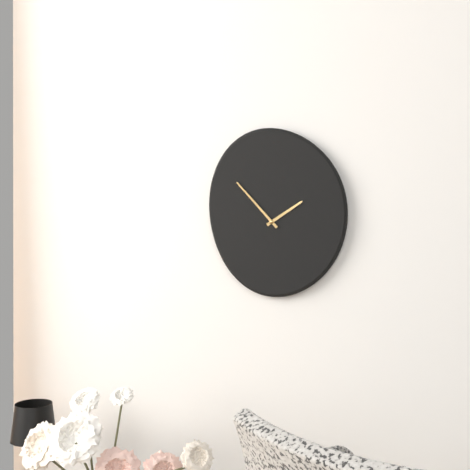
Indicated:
h=1 m=53
